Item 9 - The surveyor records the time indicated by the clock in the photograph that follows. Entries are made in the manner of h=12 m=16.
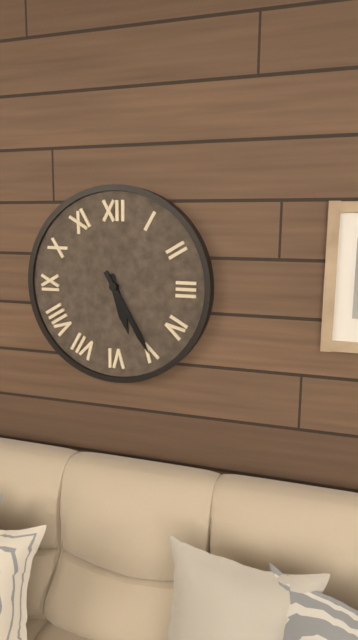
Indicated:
h=5 m=25
